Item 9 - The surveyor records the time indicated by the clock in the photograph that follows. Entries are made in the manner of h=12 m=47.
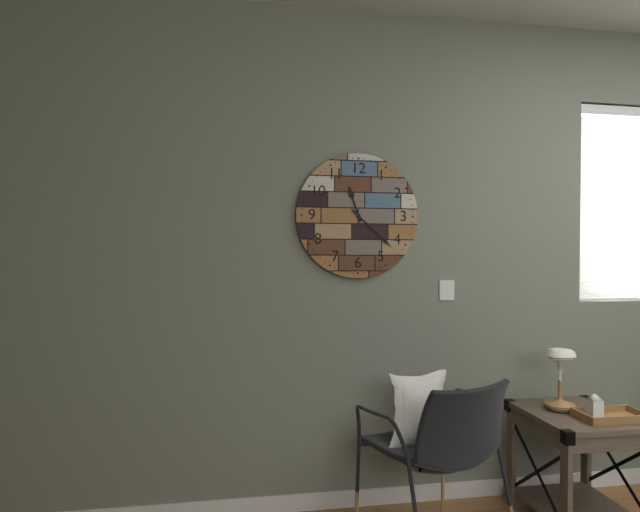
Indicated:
h=11 m=22
